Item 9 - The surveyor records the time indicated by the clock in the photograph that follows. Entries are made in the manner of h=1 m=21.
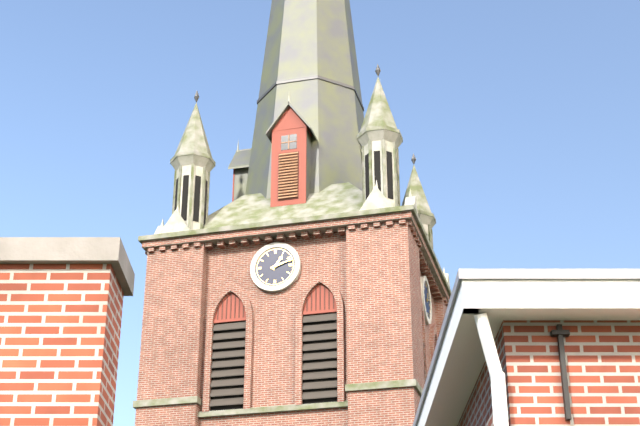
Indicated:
h=1 m=12
